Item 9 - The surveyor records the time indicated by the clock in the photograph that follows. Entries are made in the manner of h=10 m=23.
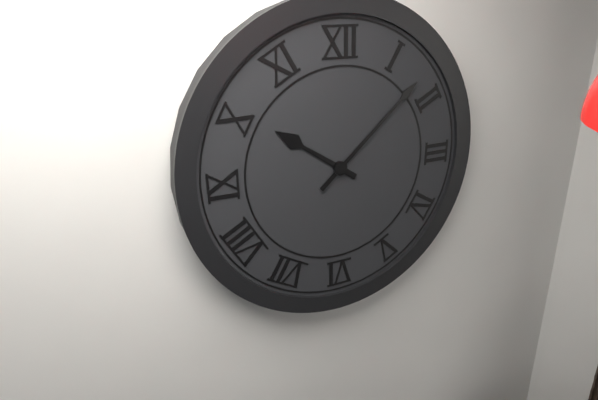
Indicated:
h=10 m=8
